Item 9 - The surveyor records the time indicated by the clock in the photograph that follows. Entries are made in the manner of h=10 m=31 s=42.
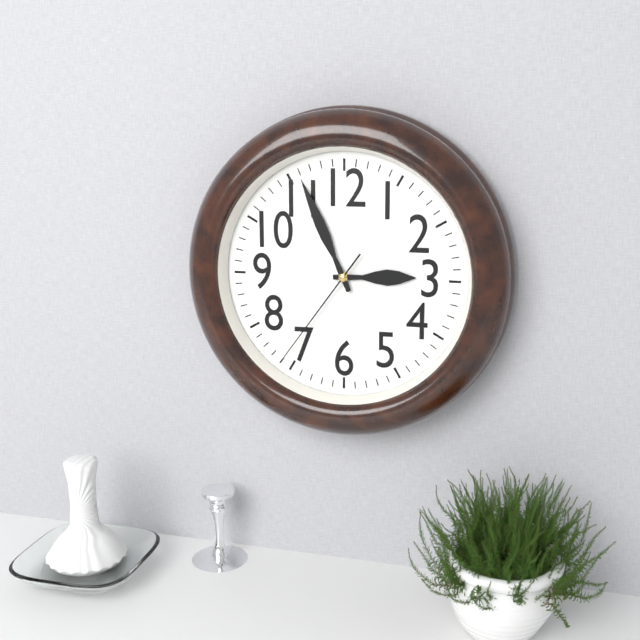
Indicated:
h=2 m=56 s=36
